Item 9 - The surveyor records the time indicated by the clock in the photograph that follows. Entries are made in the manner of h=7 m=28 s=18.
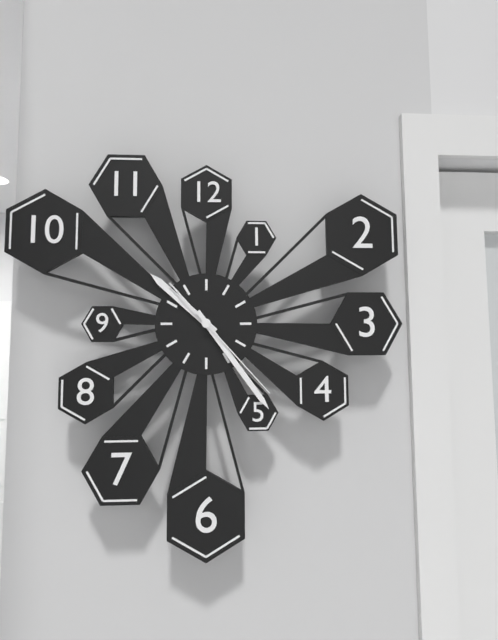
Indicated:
h=10 m=24 s=23
